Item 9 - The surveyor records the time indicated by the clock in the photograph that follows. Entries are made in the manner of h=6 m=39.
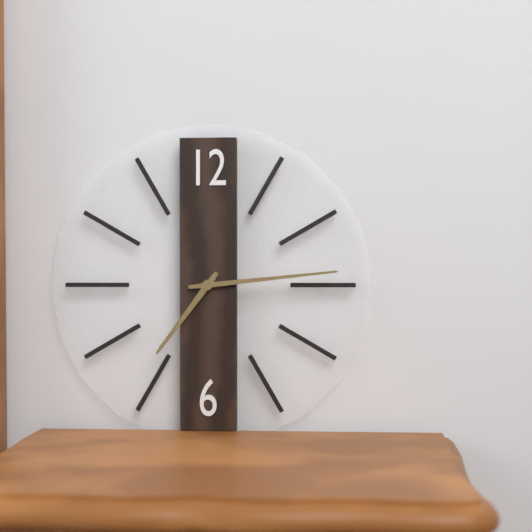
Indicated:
h=7 m=14
